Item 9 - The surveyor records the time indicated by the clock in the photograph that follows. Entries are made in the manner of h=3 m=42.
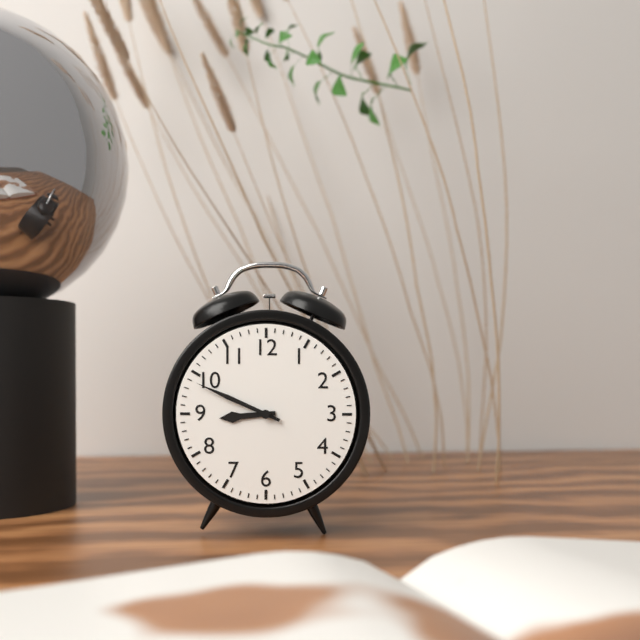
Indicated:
h=8 m=49
